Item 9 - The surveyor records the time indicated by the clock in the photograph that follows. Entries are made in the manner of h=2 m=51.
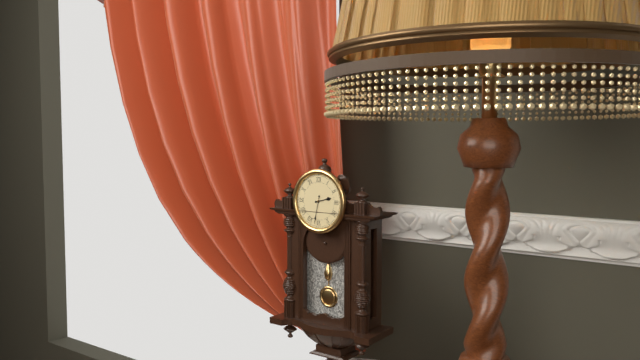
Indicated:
h=2 m=32
